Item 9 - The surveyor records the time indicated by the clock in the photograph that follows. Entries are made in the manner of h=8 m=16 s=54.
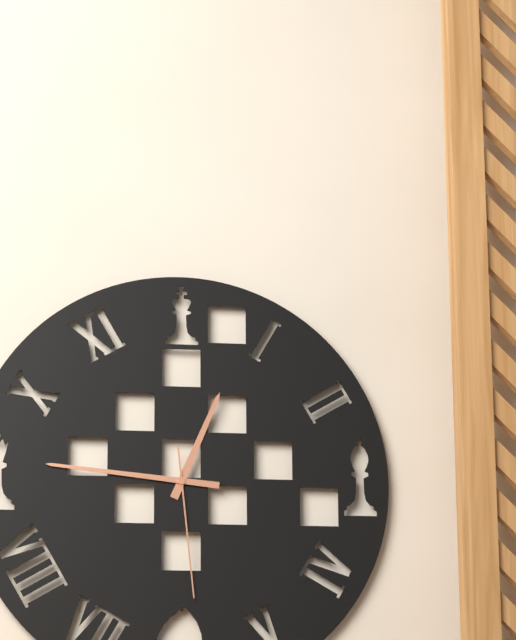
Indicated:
h=12 m=46 s=29
